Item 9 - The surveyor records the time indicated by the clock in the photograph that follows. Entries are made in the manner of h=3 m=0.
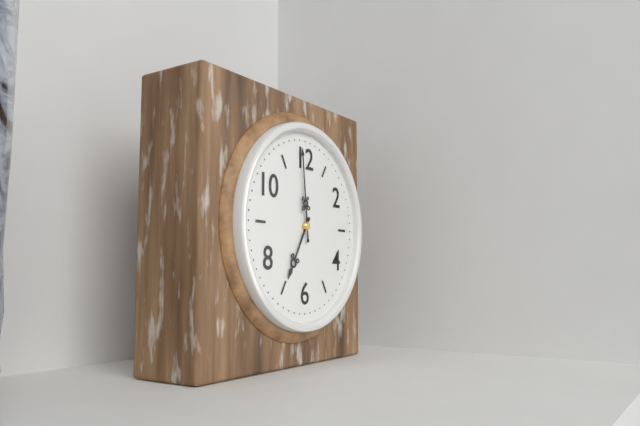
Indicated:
h=6 m=59
